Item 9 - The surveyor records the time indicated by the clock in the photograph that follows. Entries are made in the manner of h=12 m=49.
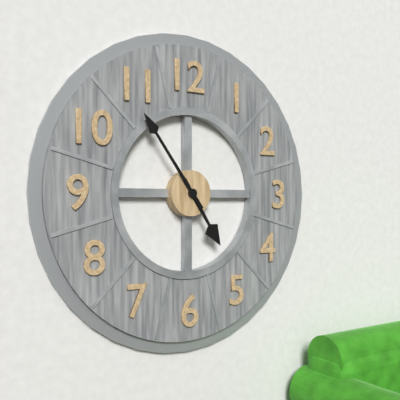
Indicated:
h=4 m=54
